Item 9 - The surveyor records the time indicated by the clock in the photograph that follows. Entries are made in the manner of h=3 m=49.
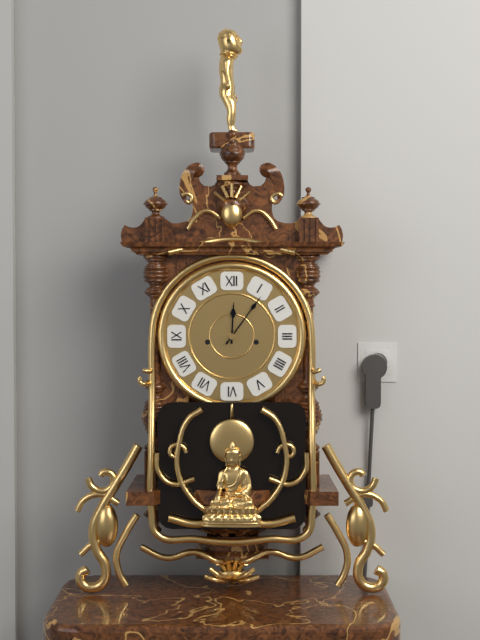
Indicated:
h=12 m=6
